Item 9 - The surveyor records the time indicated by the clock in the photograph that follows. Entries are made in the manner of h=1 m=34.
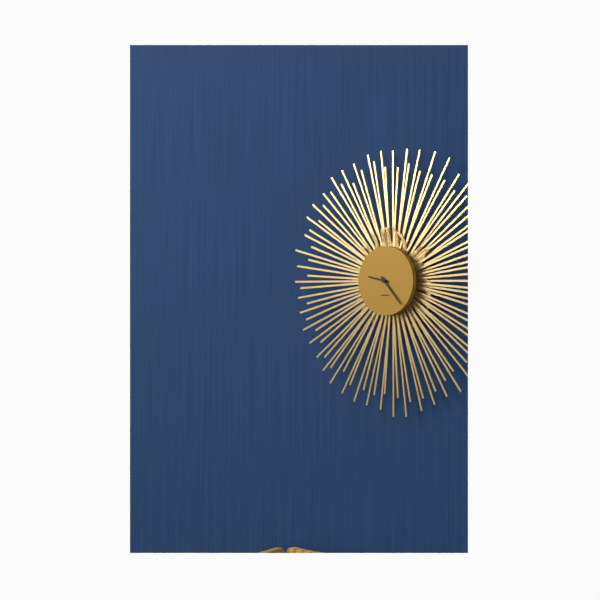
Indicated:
h=9 m=23
